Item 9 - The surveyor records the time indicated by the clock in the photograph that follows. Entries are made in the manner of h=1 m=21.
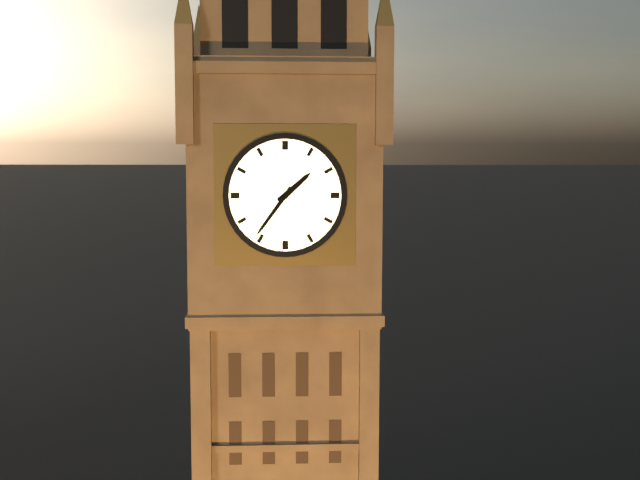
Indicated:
h=1 m=36
